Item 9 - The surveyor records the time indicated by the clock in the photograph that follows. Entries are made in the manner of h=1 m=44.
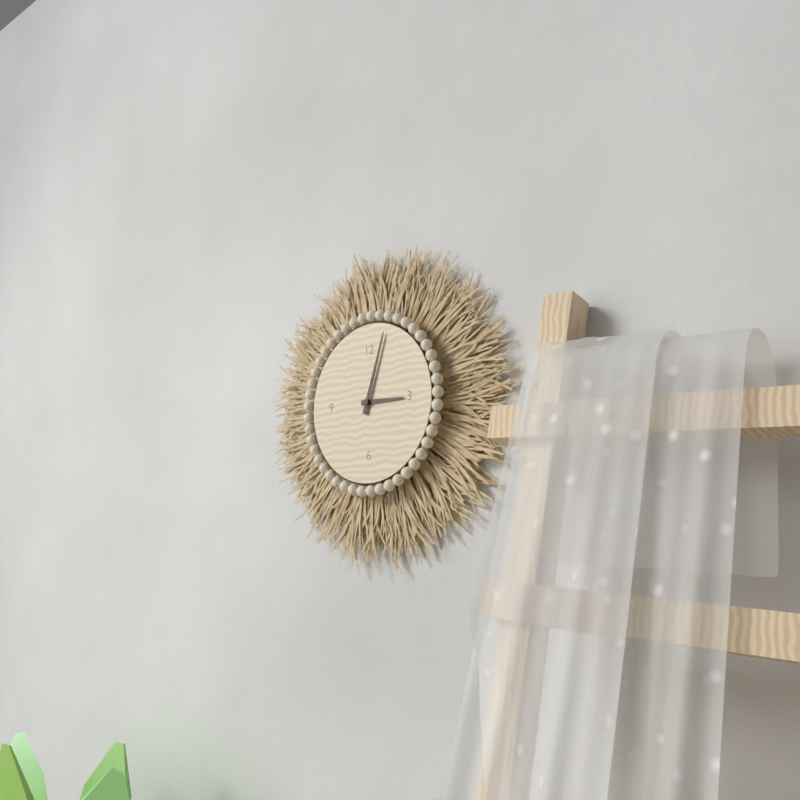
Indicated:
h=3 m=3
